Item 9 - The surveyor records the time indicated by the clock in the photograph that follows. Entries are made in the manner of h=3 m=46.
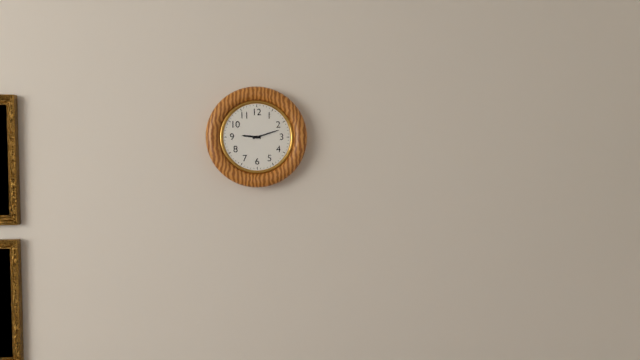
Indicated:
h=9 m=12
